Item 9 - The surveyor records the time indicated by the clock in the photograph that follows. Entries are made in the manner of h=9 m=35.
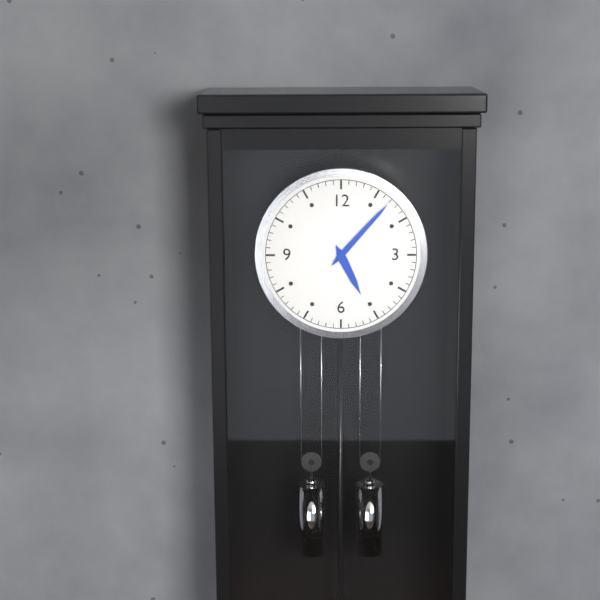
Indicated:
h=5 m=7
